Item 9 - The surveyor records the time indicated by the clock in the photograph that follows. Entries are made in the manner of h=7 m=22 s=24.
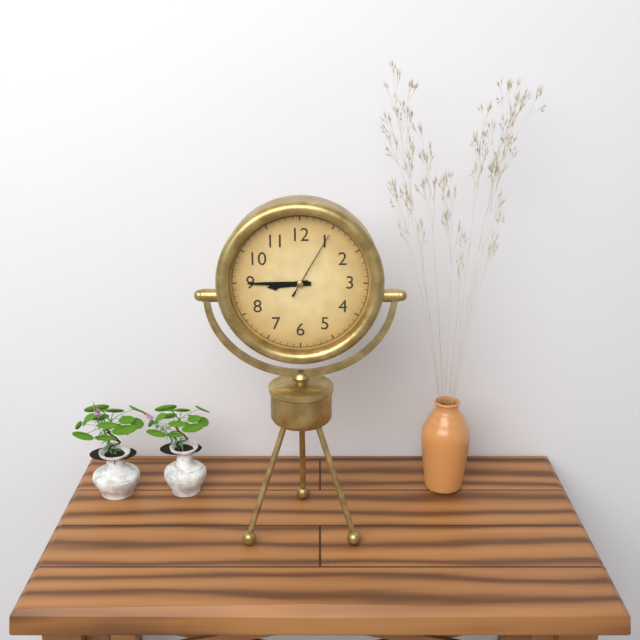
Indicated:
h=8 m=45 s=5
